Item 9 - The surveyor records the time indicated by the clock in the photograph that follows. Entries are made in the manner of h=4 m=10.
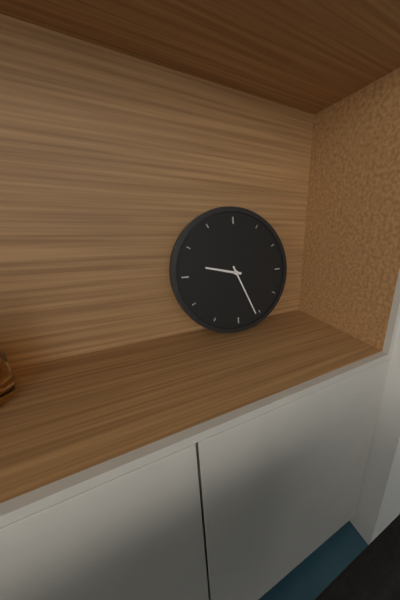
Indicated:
h=9 m=26
